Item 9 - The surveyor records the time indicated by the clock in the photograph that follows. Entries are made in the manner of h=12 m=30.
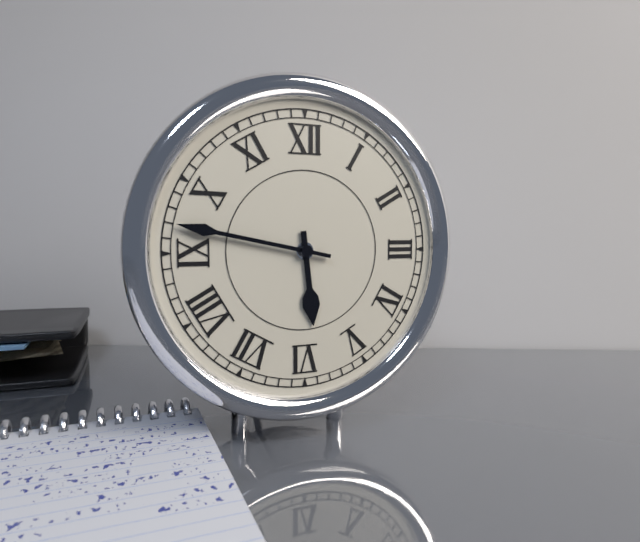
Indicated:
h=5 m=47
